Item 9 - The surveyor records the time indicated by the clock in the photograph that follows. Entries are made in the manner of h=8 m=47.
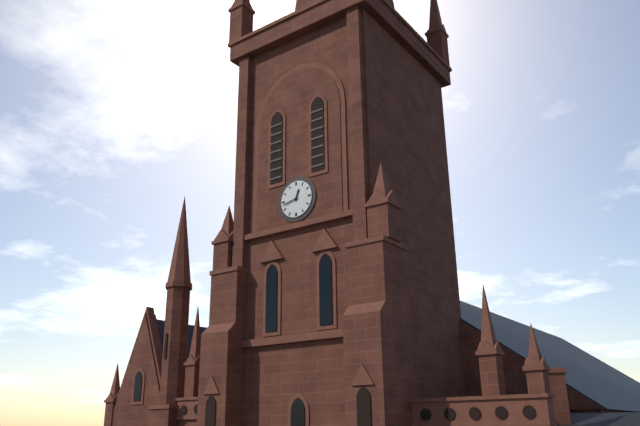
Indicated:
h=12 m=43
